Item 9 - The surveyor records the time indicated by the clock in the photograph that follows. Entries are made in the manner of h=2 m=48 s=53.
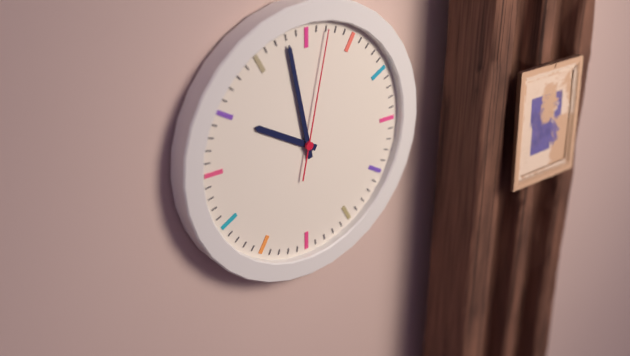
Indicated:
h=9 m=58 s=2
